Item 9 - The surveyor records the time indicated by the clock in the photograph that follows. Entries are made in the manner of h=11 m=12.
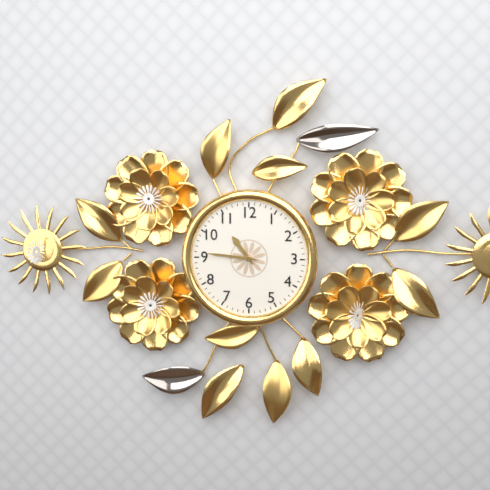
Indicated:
h=10 m=46
